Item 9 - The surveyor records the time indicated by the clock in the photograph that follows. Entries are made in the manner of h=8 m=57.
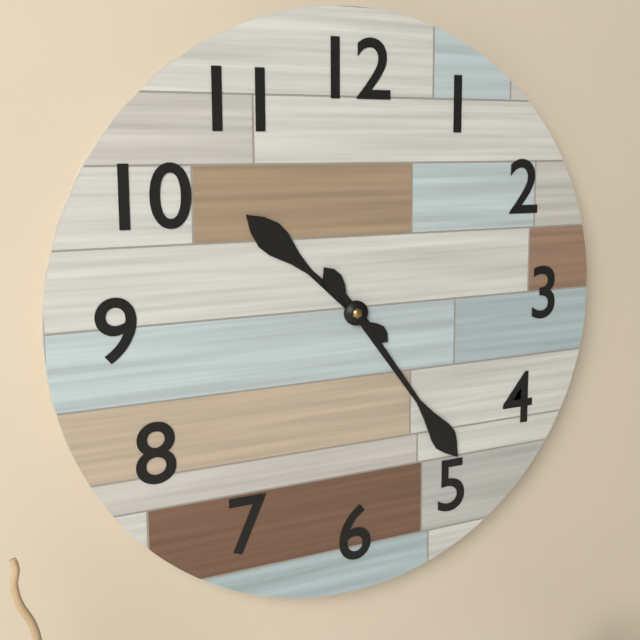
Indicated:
h=10 m=24
